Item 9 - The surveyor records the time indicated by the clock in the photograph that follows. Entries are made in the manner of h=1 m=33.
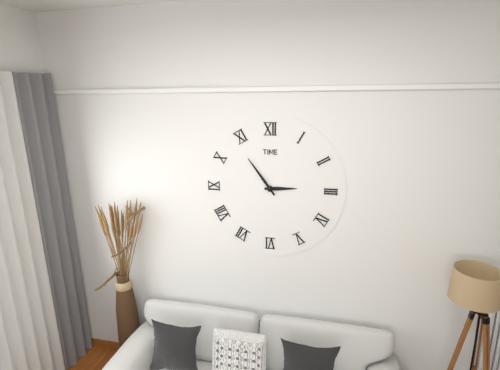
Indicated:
h=2 m=54
